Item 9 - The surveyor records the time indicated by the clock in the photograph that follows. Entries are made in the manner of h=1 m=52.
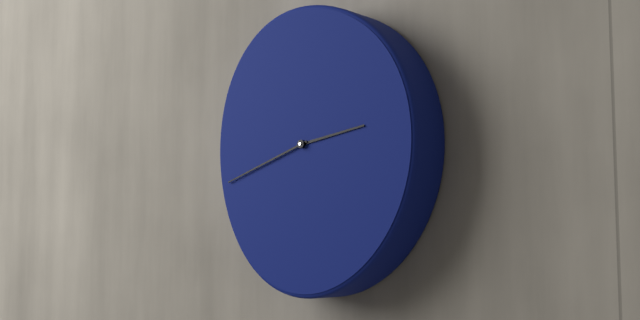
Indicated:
h=2 m=42
